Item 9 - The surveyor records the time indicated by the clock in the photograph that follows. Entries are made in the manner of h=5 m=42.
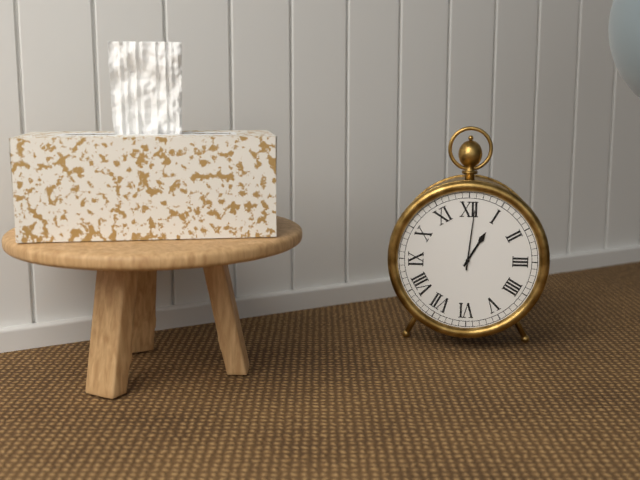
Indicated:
h=1 m=1
